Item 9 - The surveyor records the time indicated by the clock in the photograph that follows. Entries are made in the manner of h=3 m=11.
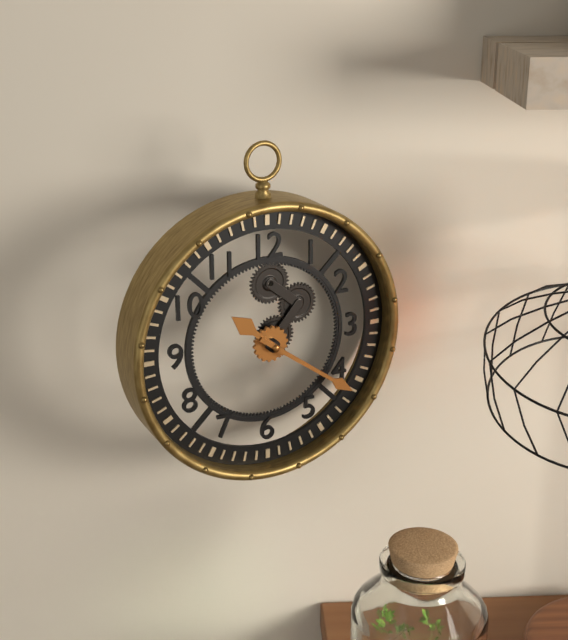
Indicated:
h=10 m=21
